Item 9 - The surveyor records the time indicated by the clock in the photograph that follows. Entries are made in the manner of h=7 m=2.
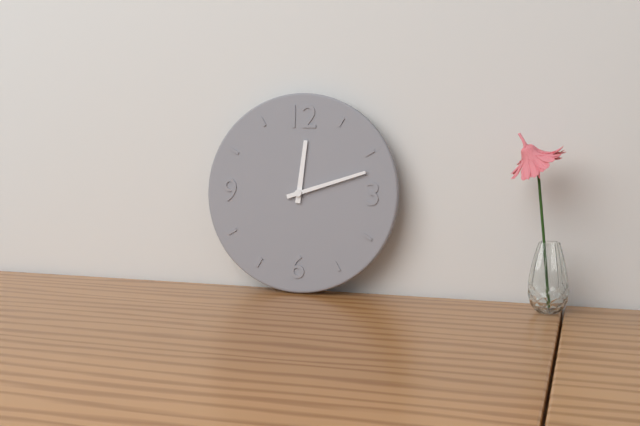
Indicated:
h=12 m=12
